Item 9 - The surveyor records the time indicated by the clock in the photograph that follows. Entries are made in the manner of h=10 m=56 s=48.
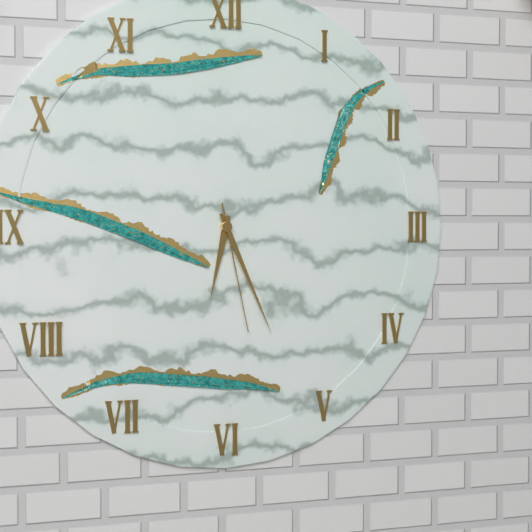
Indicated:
h=6 m=26 s=28
